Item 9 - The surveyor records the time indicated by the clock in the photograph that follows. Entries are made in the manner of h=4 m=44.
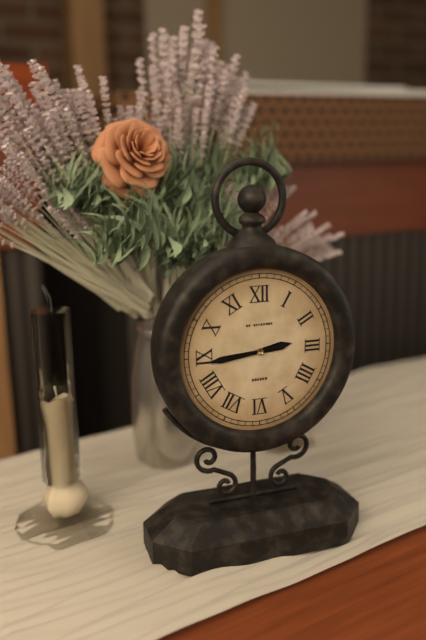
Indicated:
h=2 m=44
